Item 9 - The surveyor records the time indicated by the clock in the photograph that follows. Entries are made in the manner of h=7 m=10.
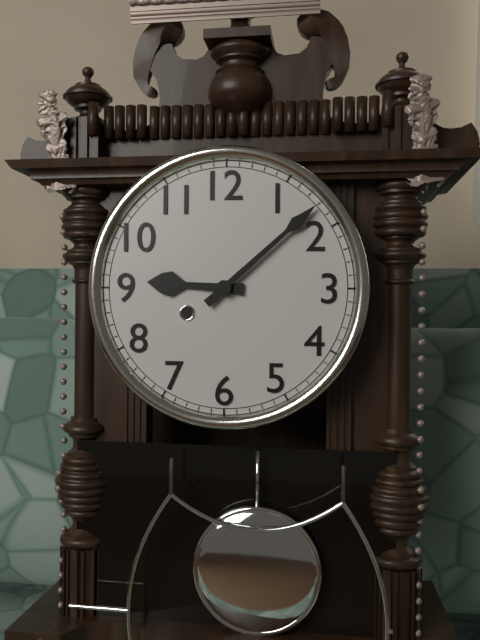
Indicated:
h=9 m=8
